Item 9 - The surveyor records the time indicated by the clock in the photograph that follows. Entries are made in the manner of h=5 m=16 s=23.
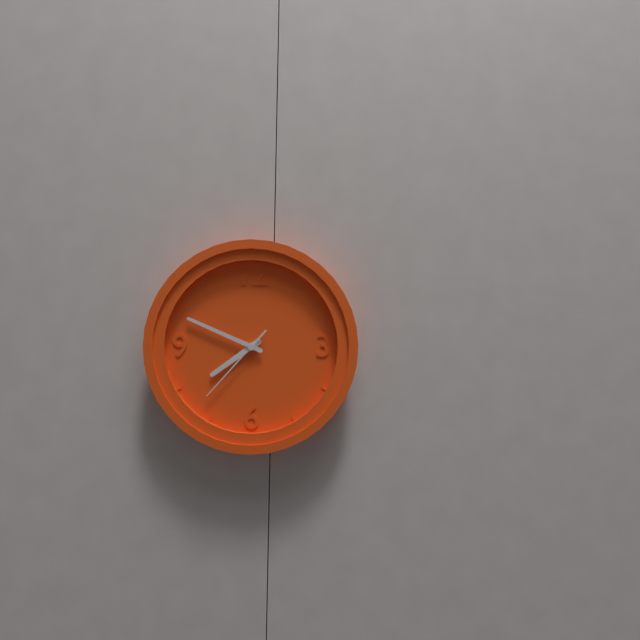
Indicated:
h=7 m=49 s=37
